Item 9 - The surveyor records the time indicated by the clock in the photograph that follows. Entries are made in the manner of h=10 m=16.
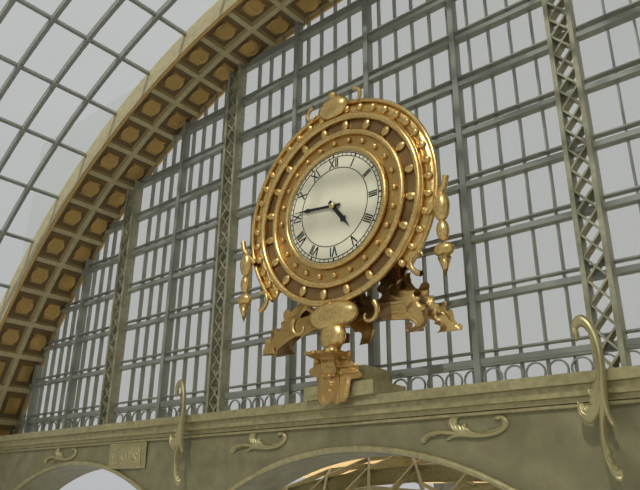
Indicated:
h=4 m=46
